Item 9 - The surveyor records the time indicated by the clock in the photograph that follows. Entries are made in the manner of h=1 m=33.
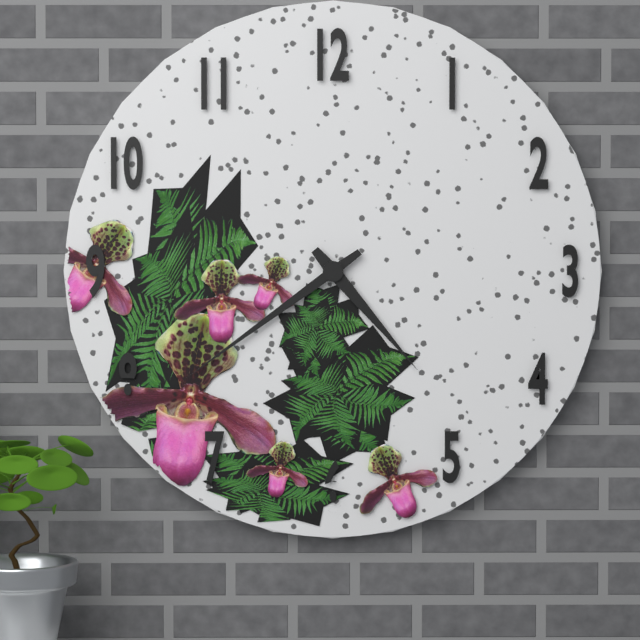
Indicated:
h=4 m=39
